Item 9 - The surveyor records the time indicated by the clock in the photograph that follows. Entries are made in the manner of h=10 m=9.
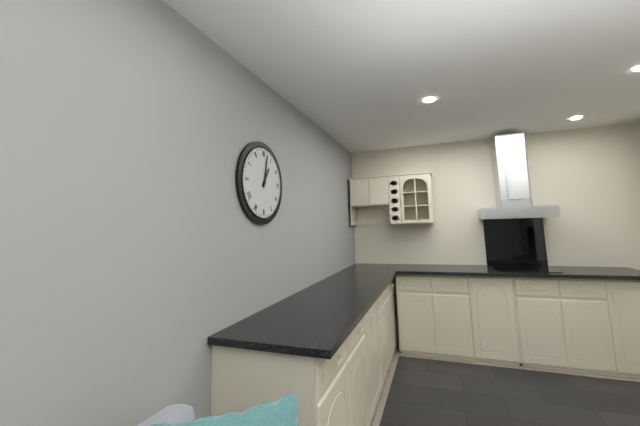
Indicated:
h=1 m=2
